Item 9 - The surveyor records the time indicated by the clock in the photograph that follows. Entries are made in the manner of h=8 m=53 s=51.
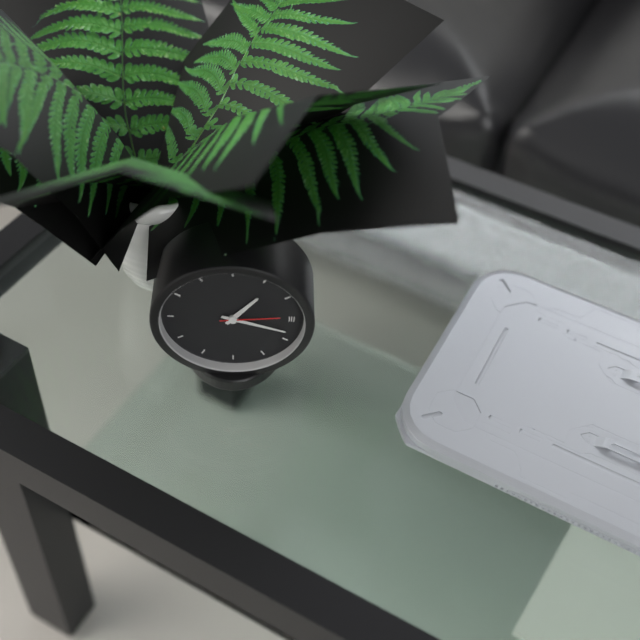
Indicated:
h=1 m=18 s=14
